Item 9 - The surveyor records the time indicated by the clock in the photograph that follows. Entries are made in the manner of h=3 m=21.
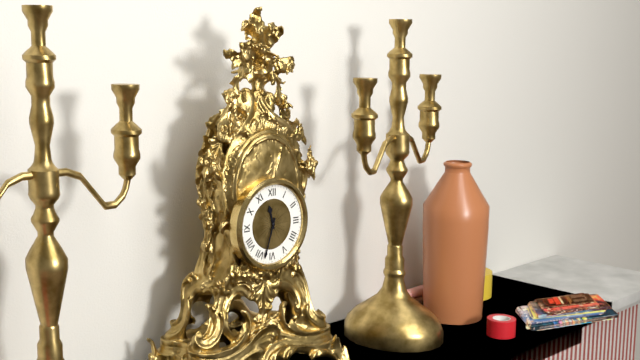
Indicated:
h=11 m=33
